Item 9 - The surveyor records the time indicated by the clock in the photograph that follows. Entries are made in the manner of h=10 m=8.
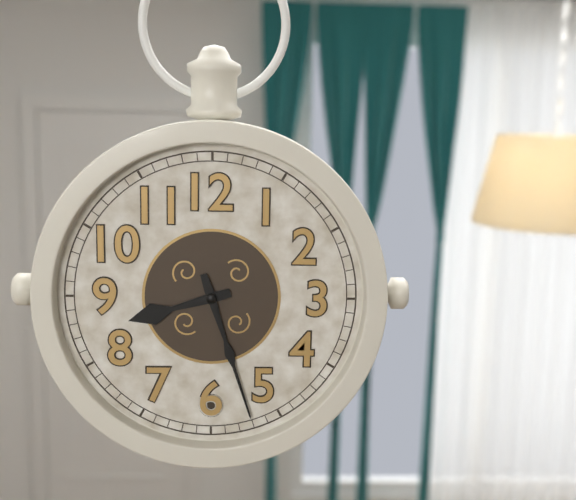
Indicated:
h=8 m=27
